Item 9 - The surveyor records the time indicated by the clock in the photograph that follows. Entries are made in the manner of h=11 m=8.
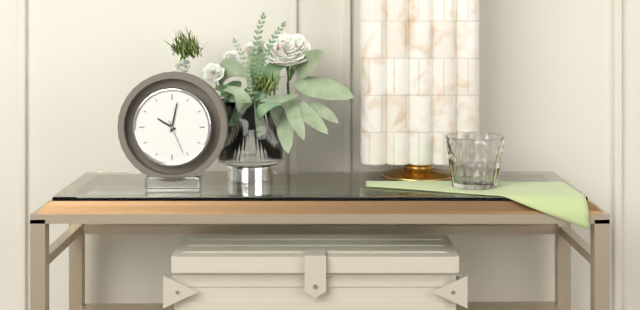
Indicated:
h=10 m=2
